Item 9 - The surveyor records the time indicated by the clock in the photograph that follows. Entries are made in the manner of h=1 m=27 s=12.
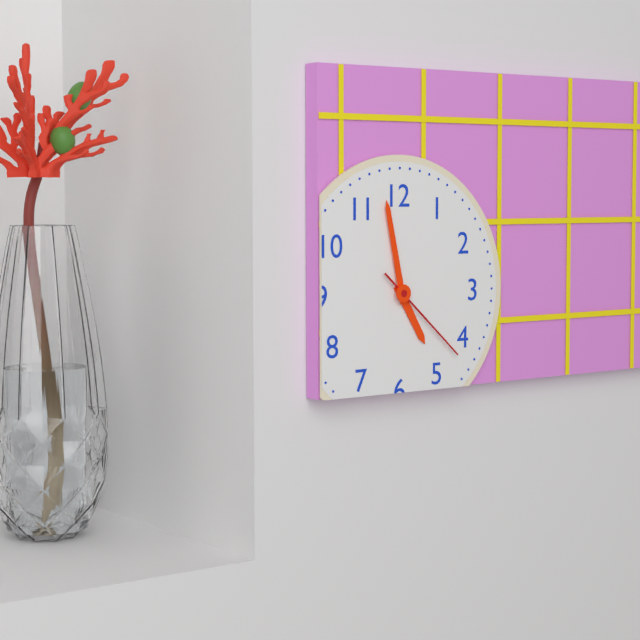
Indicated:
h=4 m=58 s=22
